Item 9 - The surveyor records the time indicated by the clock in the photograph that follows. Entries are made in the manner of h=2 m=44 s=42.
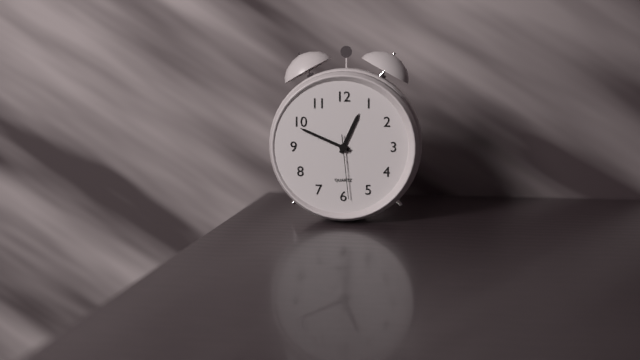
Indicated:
h=12 m=49 s=29
